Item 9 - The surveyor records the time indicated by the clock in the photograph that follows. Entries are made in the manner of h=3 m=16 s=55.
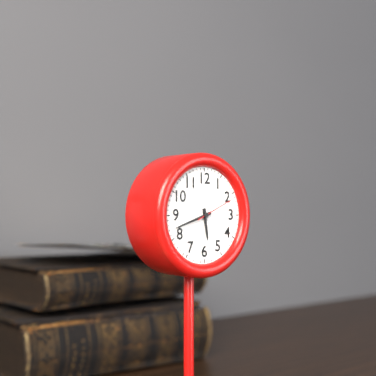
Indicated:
h=5 m=42 s=11
